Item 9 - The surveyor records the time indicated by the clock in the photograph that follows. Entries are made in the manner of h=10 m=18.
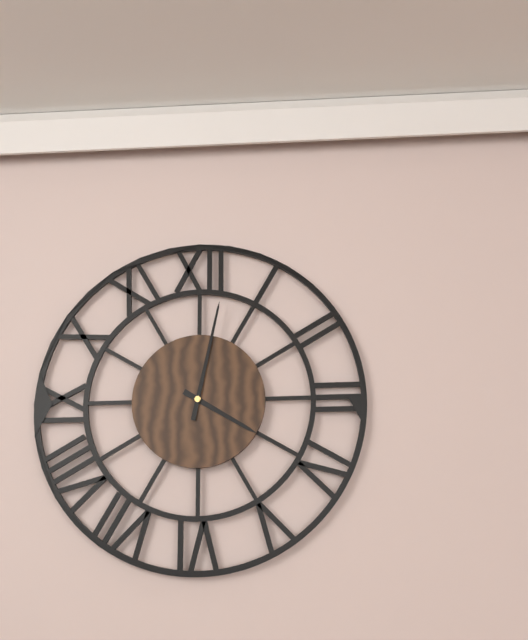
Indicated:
h=4 m=2
